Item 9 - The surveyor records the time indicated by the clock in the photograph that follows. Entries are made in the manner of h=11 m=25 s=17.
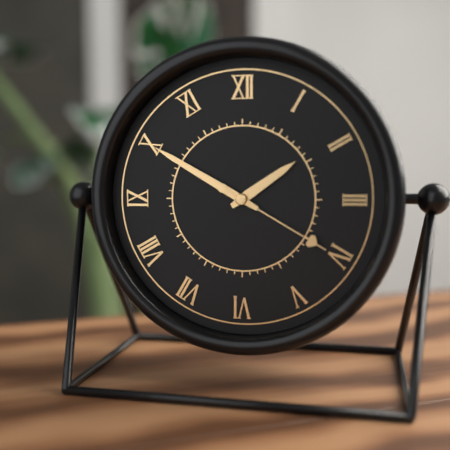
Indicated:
h=1 m=50 s=20
